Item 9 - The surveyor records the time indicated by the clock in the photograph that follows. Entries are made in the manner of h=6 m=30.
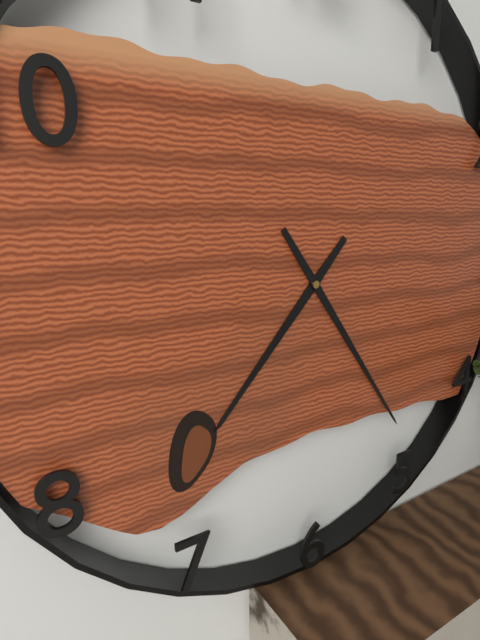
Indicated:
h=7 m=24
